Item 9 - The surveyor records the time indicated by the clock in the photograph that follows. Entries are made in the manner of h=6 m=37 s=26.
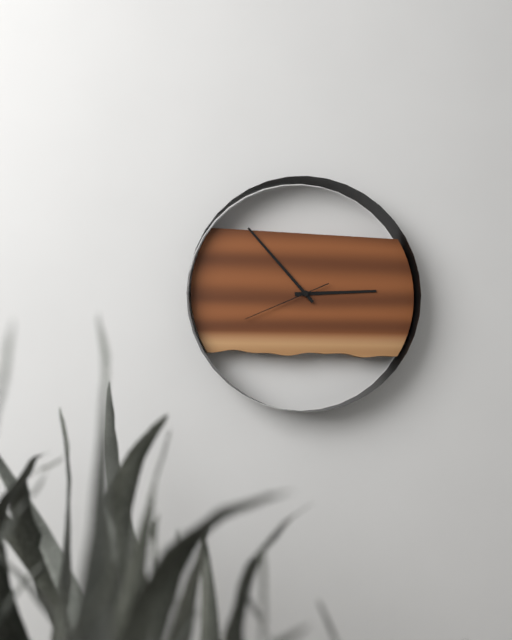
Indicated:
h=2 m=53 s=41
